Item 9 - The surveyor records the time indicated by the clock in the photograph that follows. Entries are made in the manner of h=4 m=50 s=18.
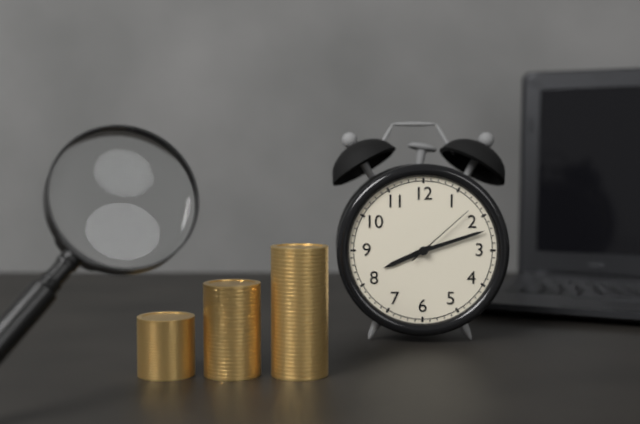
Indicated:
h=8 m=12 s=8
